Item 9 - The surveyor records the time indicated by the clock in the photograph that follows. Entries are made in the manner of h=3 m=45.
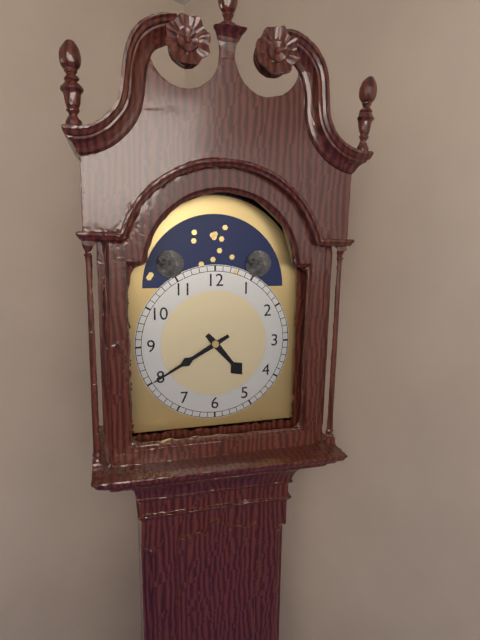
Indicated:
h=4 m=40
